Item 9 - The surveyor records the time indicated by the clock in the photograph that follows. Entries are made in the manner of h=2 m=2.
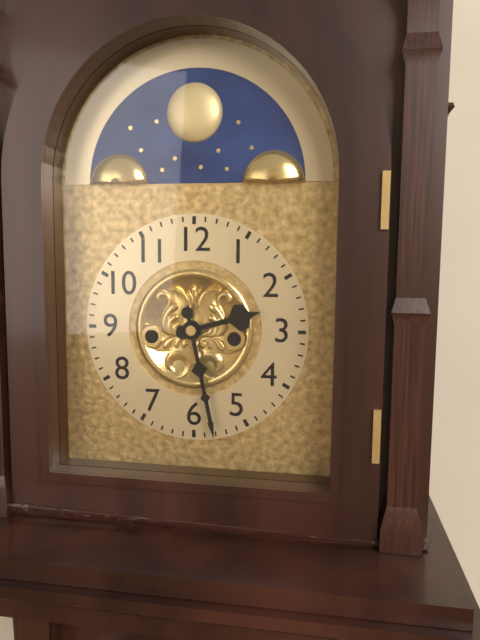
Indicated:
h=2 m=28
